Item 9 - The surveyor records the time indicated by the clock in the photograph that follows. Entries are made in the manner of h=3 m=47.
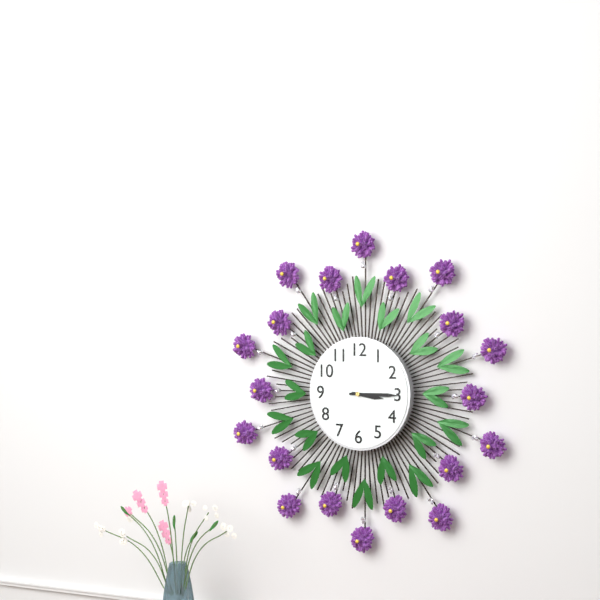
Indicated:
h=3 m=15
